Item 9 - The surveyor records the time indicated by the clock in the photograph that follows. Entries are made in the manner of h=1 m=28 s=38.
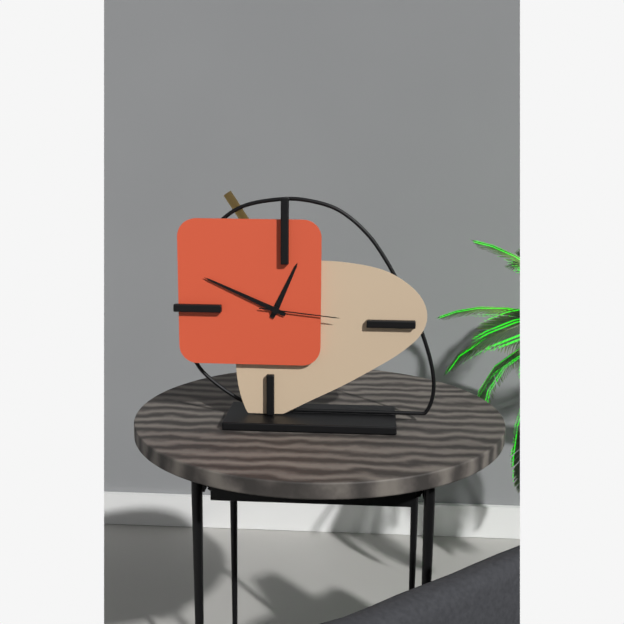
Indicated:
h=12 m=49 s=16
